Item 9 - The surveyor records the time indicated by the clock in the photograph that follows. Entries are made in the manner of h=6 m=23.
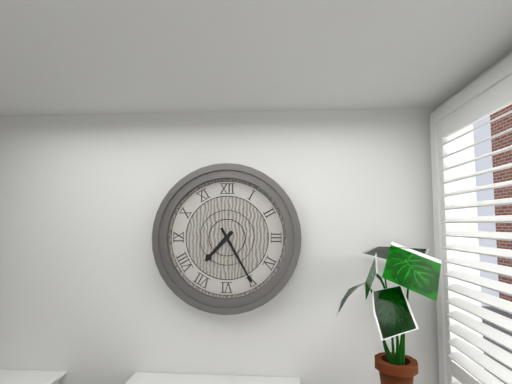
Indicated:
h=7 m=25
